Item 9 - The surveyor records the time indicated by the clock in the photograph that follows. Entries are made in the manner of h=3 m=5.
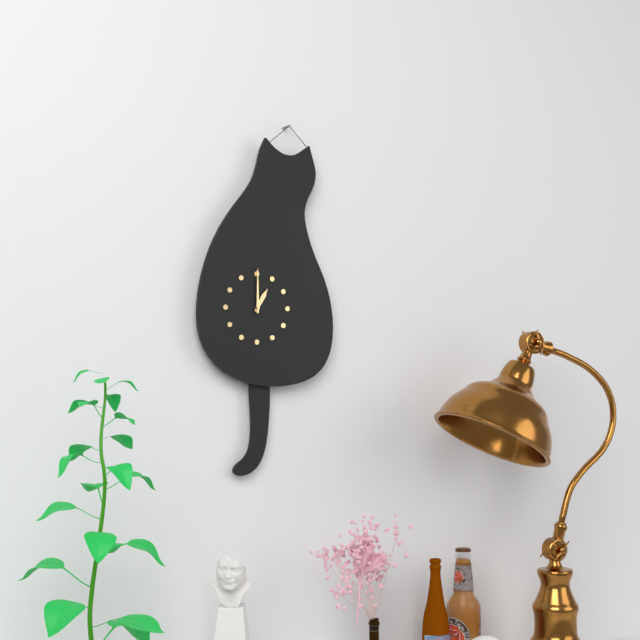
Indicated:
h=1 m=0
